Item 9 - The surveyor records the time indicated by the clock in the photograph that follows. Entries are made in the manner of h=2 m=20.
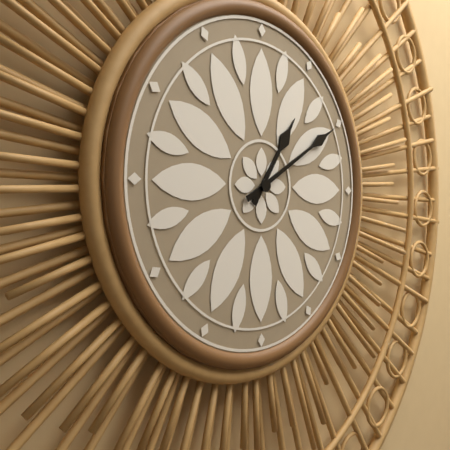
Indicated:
h=1 m=10
